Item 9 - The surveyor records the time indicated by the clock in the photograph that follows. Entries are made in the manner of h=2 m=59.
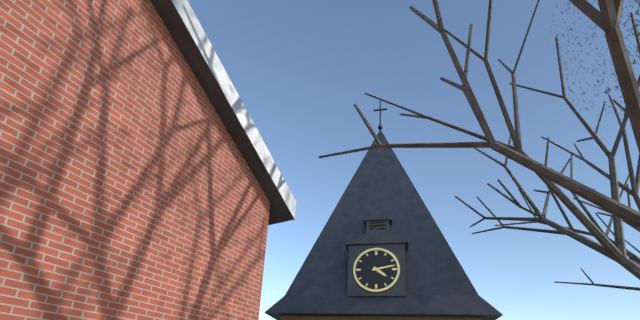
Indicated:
h=4 m=13
